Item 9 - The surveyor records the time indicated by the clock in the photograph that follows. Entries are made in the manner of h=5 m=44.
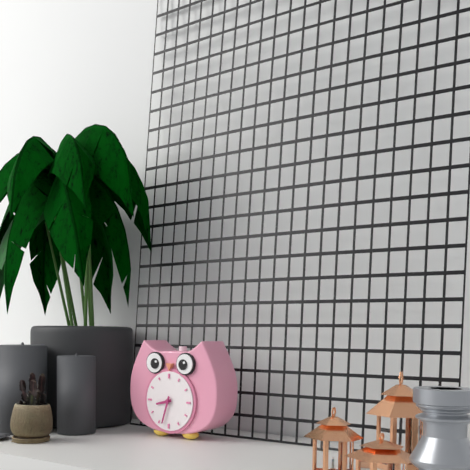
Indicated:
h=8 m=33
